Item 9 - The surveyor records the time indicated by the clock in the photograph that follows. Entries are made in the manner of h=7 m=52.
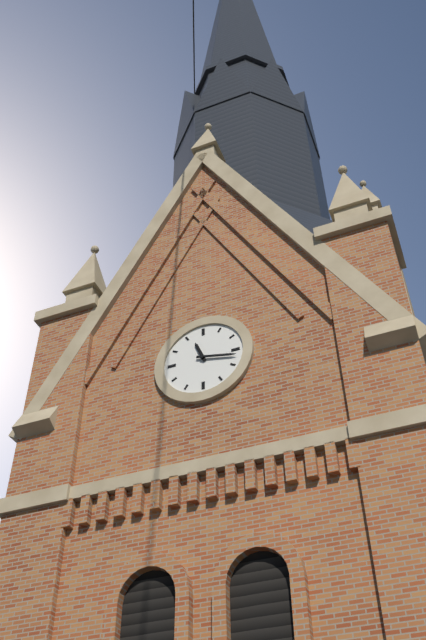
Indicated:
h=11 m=17
